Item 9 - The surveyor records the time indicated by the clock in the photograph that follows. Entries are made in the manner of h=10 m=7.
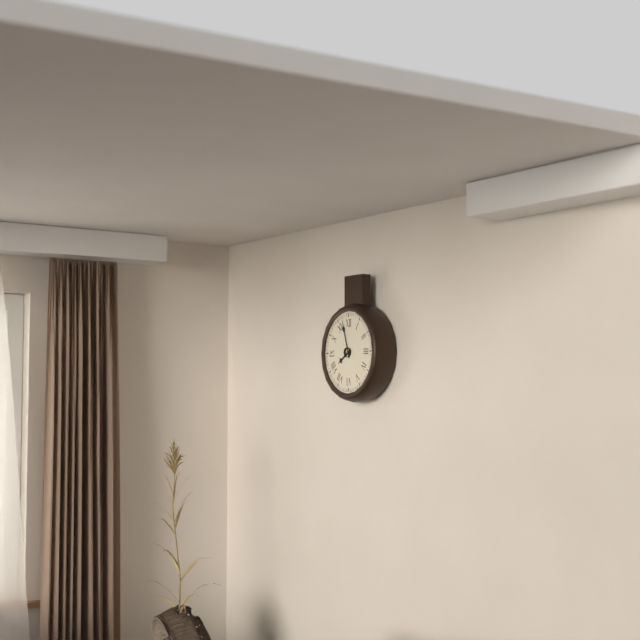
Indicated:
h=7 m=57
